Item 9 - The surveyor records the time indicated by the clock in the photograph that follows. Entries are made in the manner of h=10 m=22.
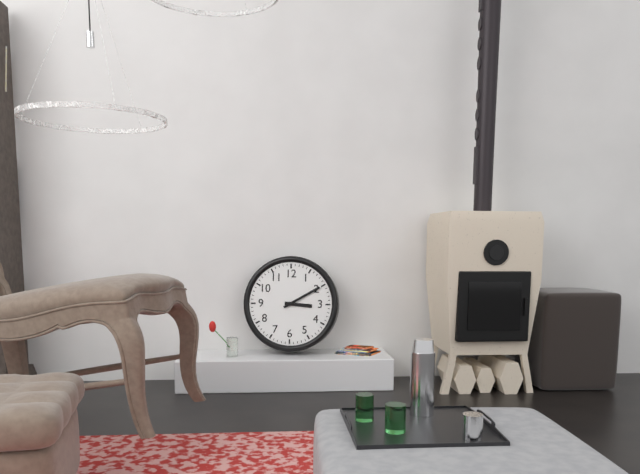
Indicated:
h=3 m=10
